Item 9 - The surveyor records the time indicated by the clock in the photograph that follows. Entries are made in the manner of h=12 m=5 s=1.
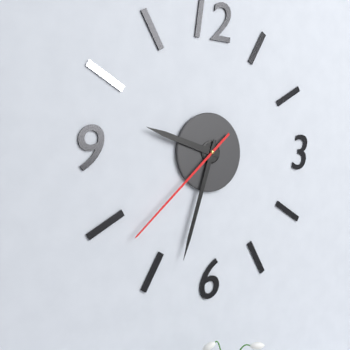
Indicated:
h=9 m=33 s=38
